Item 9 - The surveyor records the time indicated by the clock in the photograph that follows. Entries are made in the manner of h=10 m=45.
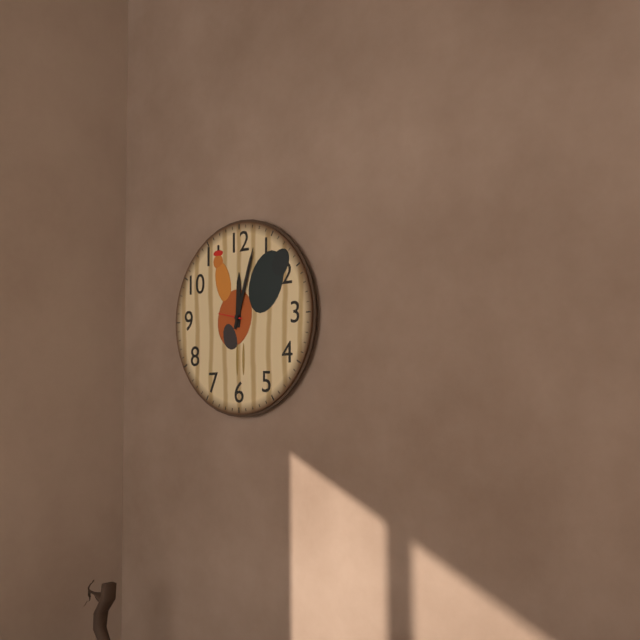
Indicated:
h=12 m=3
